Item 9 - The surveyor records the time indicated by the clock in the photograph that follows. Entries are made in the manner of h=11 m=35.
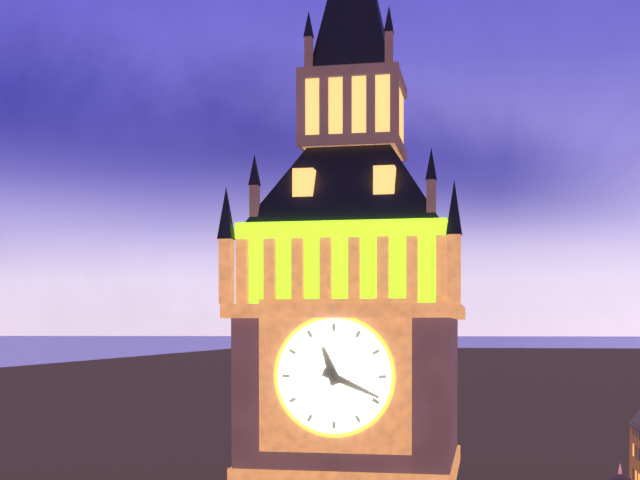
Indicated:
h=11 m=19
